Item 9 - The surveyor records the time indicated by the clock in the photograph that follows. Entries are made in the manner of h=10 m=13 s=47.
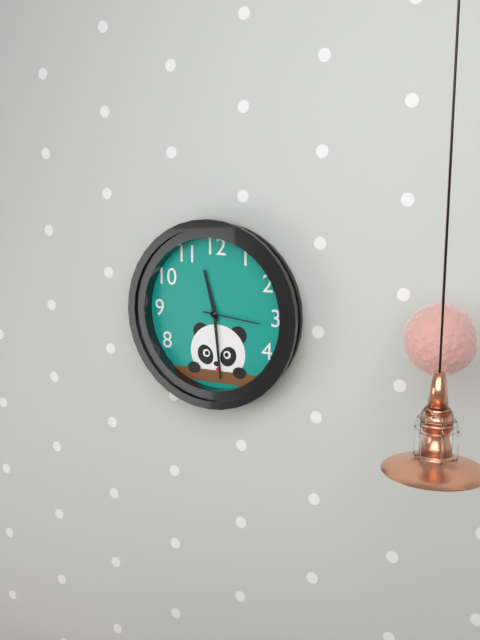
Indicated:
h=11 m=29 s=16
